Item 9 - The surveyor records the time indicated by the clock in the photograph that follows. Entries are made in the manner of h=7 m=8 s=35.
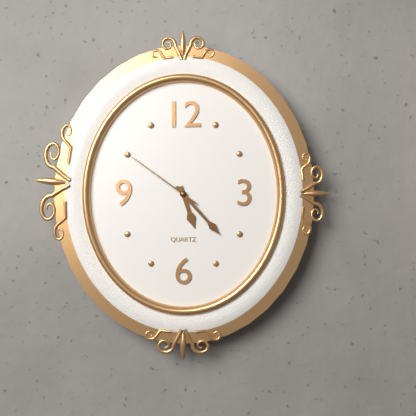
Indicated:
h=5 m=23 s=51
